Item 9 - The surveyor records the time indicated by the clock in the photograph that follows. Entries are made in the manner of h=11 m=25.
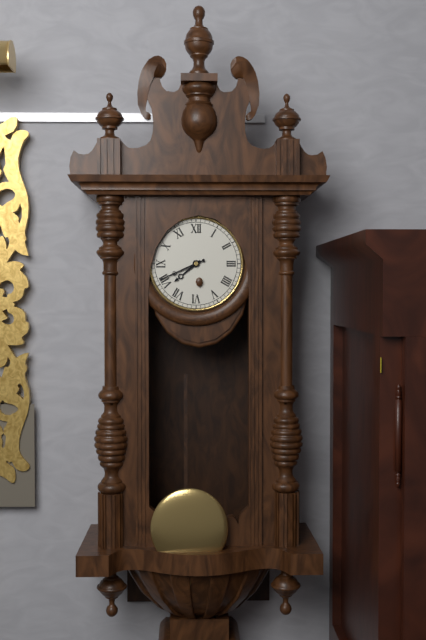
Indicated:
h=7 m=41
